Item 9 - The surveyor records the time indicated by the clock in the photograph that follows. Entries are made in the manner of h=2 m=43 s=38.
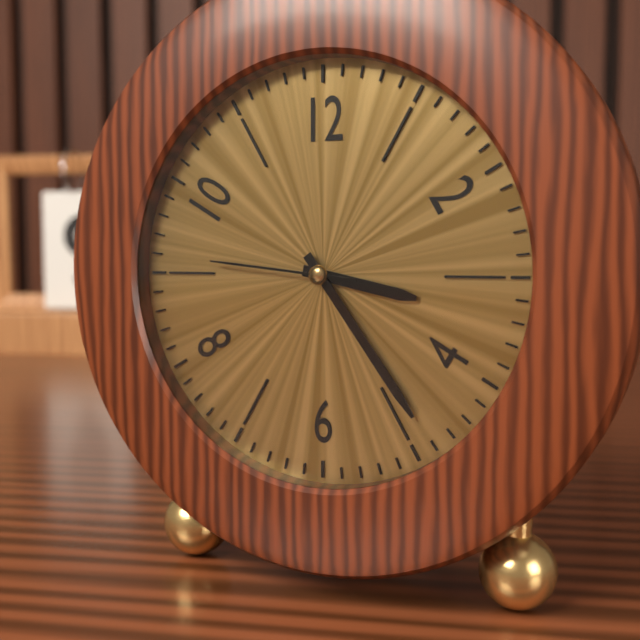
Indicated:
h=3 m=24 s=46
